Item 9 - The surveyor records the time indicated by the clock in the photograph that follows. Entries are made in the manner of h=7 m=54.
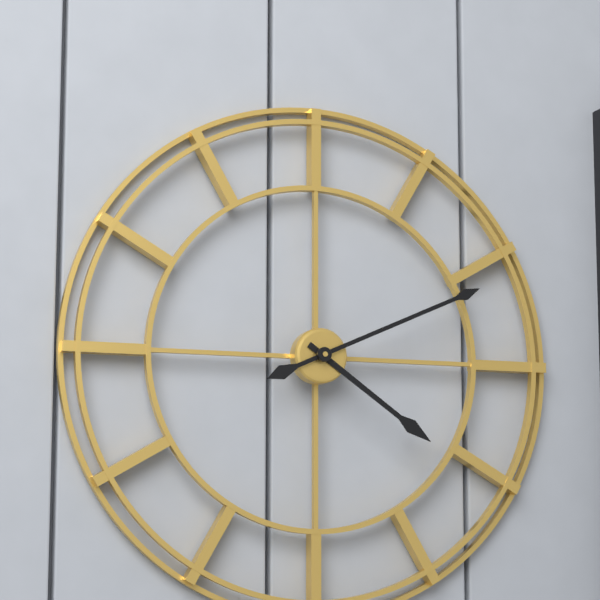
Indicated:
h=4 m=11
